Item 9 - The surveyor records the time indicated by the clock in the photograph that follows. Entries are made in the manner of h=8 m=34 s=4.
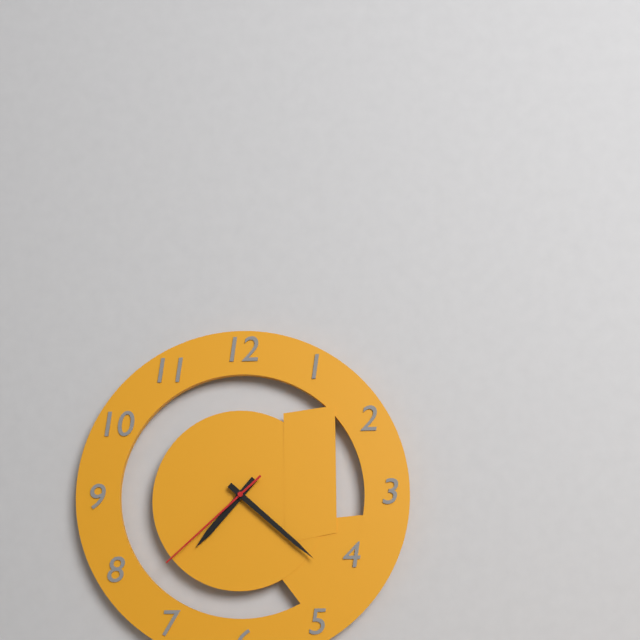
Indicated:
h=7 m=22 s=38
